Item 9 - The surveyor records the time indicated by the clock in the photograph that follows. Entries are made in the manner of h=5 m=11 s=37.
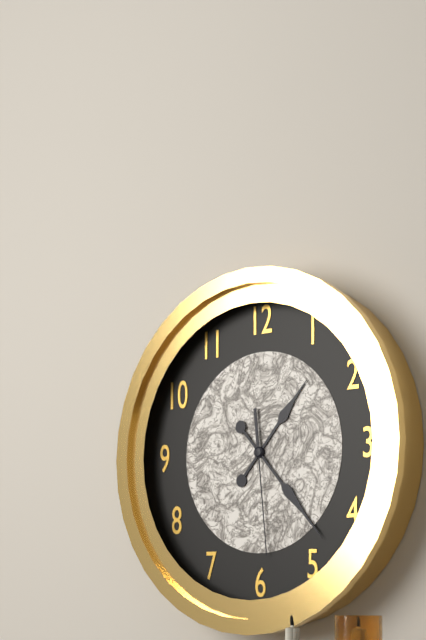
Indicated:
h=1 m=23 s=29
